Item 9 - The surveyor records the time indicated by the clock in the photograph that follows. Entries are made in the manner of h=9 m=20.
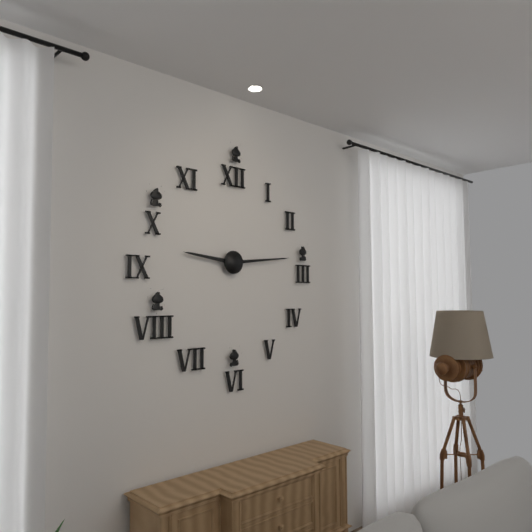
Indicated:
h=9 m=14
